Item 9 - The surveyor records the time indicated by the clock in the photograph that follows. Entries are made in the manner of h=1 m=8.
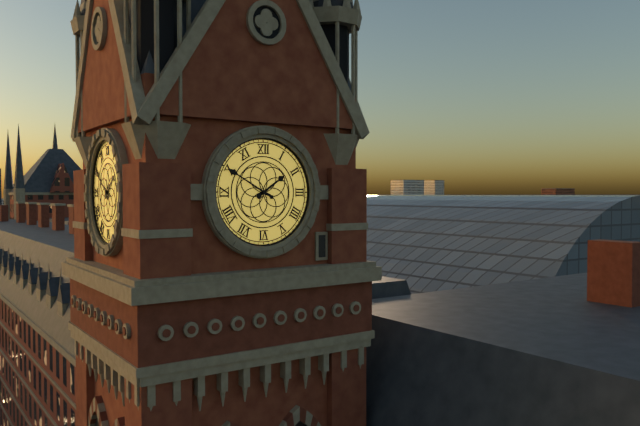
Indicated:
h=1 m=50
